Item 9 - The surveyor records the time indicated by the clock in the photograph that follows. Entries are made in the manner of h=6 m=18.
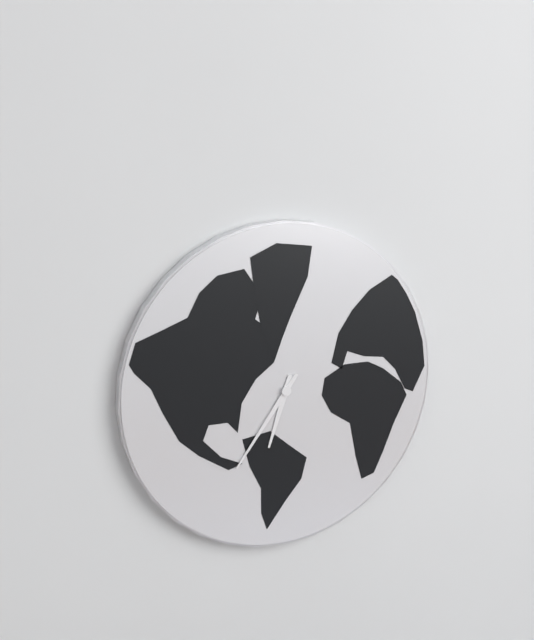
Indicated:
h=6 m=36
